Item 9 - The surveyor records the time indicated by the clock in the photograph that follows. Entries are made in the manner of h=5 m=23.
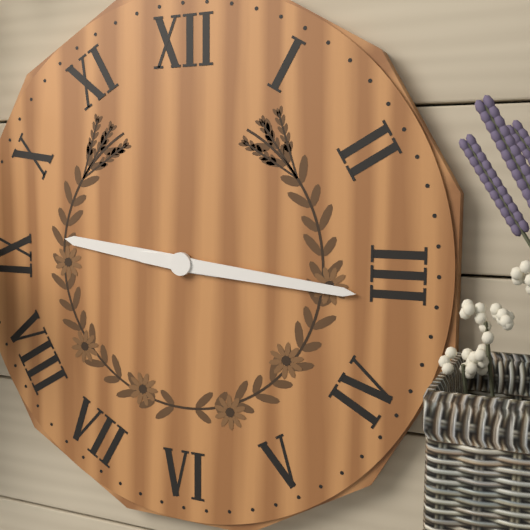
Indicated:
h=9 m=16
